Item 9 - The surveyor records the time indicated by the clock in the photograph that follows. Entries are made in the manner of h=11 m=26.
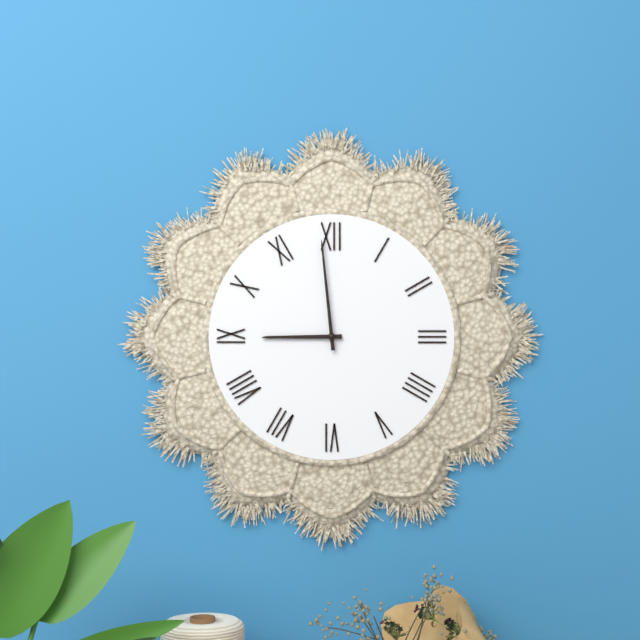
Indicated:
h=8 m=59
